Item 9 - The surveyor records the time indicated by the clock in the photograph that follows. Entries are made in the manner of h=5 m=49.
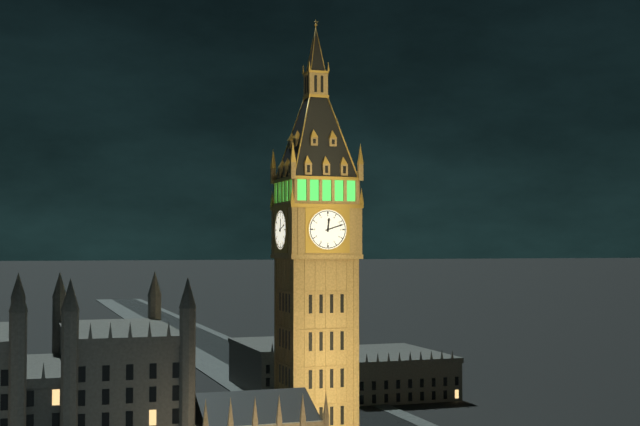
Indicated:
h=12 m=12
